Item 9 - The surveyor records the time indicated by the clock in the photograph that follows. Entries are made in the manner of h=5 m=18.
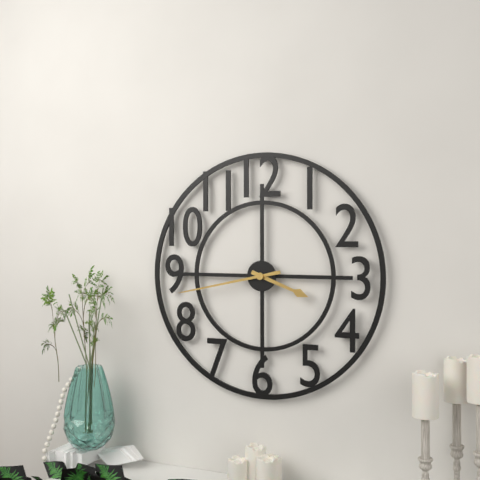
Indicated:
h=3 m=43
